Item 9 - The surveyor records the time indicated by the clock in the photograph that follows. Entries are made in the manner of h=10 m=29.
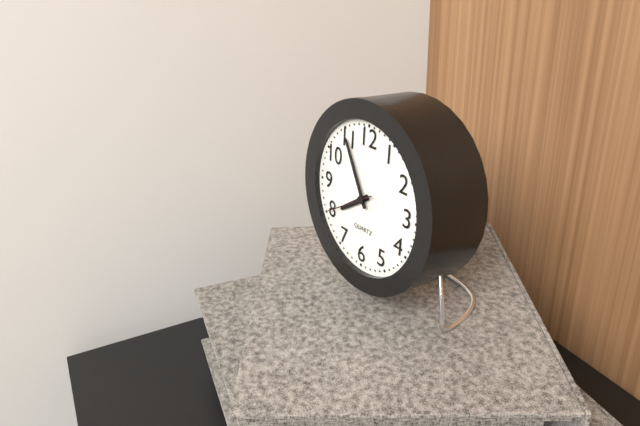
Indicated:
h=7 m=55
